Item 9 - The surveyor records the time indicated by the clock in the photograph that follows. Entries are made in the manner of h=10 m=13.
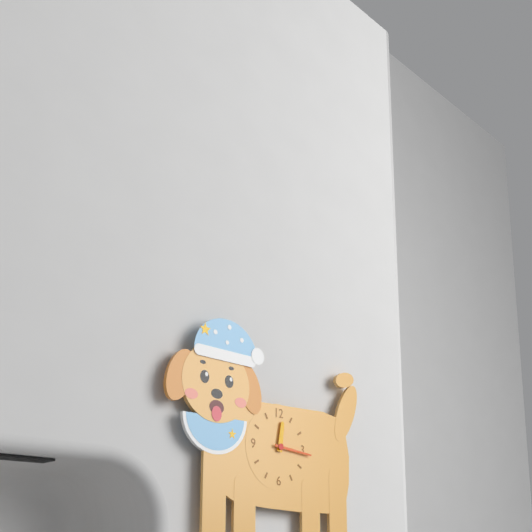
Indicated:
h=12 m=16
